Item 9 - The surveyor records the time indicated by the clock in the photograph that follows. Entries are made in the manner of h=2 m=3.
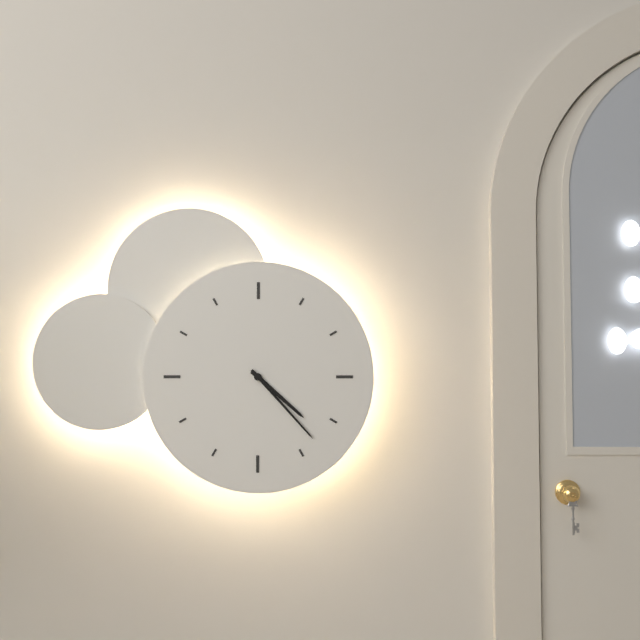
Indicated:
h=4 m=23
